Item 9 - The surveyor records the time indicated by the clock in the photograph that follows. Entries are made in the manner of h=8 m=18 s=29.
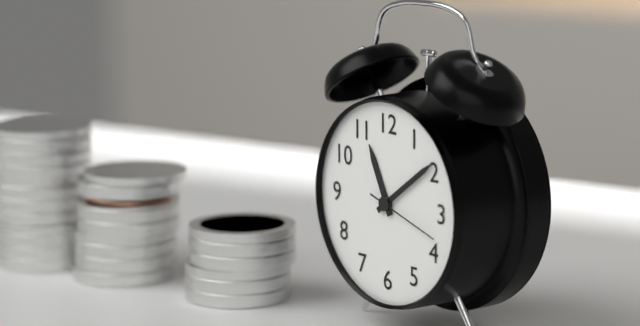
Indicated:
h=11 m=9 s=18
